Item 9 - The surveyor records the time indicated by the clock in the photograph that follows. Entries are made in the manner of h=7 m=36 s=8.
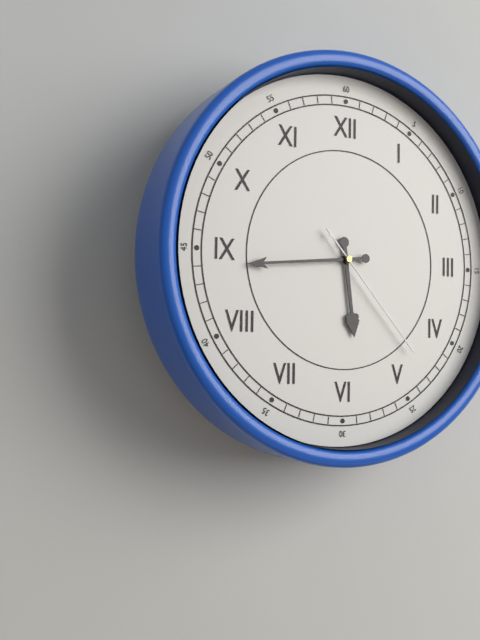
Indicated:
h=5 m=44 s=23
